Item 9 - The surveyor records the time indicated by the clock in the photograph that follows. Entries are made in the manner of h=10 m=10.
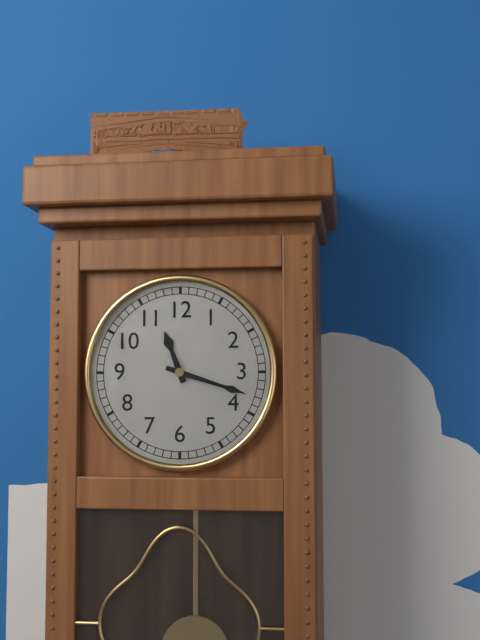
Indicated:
h=11 m=18
